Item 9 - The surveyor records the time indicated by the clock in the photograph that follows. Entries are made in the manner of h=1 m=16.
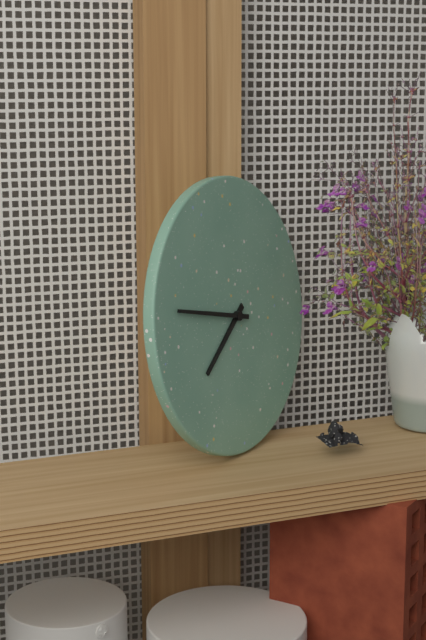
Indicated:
h=7 m=47
